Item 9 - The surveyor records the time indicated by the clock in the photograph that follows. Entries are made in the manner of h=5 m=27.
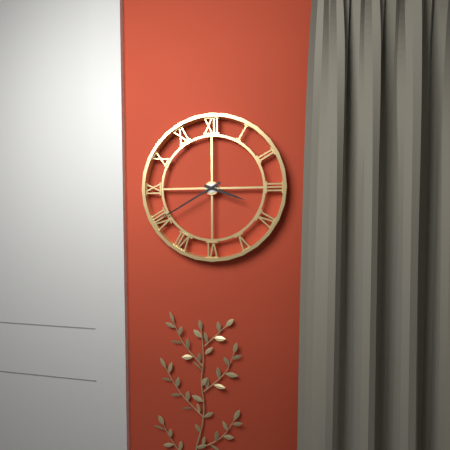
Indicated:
h=3 m=40
